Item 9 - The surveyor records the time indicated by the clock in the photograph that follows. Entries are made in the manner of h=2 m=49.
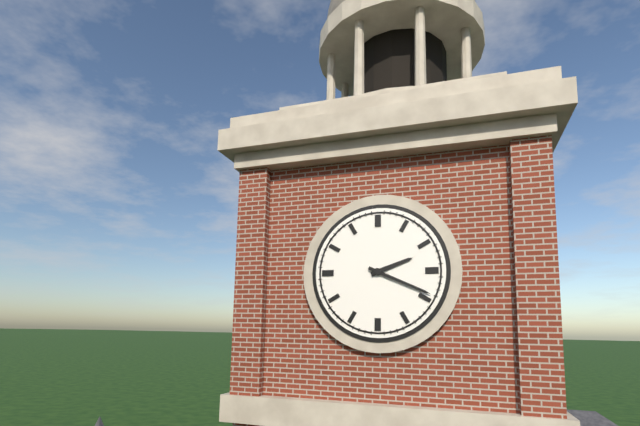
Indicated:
h=2 m=19
